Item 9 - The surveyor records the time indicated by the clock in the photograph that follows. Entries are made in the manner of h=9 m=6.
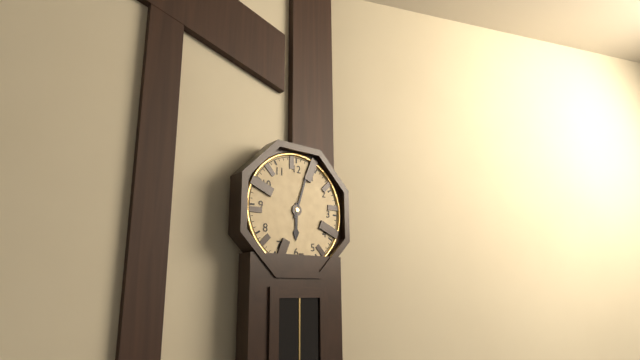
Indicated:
h=6 m=3
